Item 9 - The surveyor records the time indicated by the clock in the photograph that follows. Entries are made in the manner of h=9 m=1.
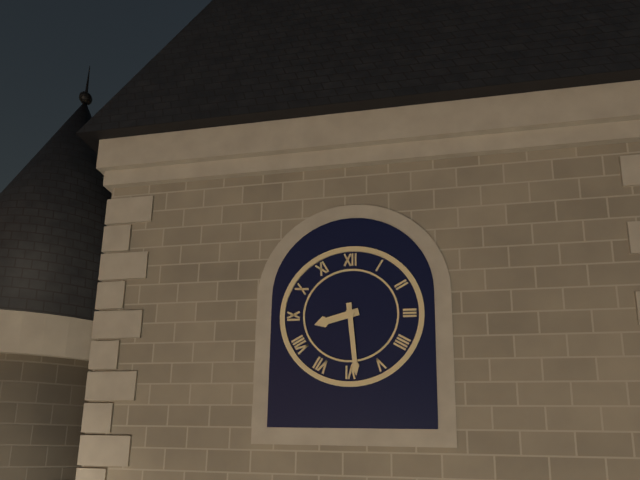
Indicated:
h=8 m=29
